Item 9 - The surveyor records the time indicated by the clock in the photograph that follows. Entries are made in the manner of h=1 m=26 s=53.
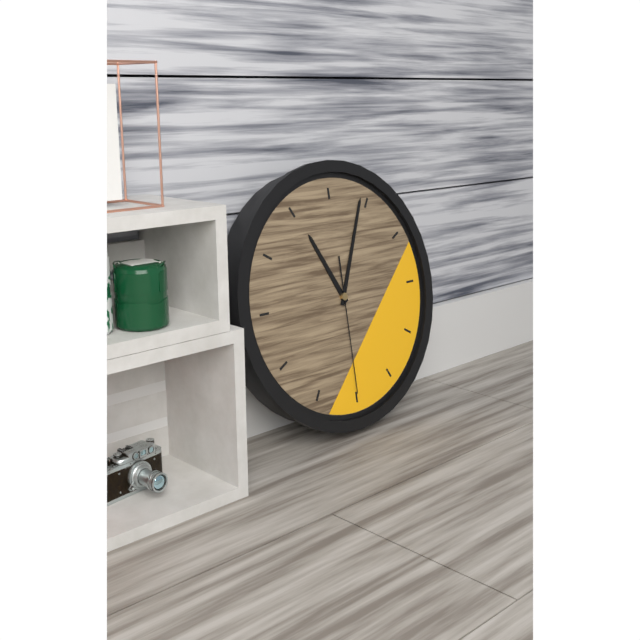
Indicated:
h=11 m=4 s=30
